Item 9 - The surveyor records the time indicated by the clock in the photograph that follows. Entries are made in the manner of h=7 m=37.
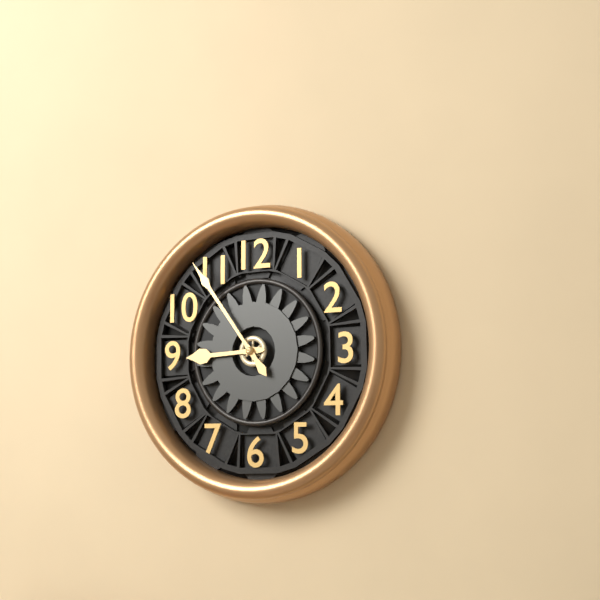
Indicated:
h=8 m=54
